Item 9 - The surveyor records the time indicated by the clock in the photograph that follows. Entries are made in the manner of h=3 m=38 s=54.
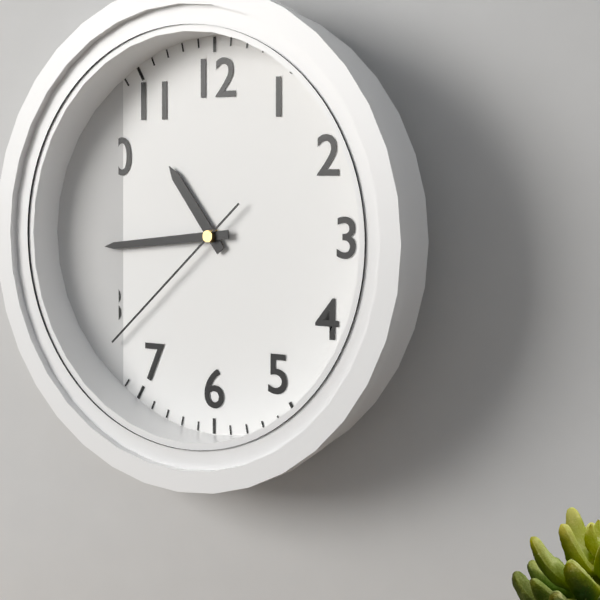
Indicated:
h=10 m=44 s=38
